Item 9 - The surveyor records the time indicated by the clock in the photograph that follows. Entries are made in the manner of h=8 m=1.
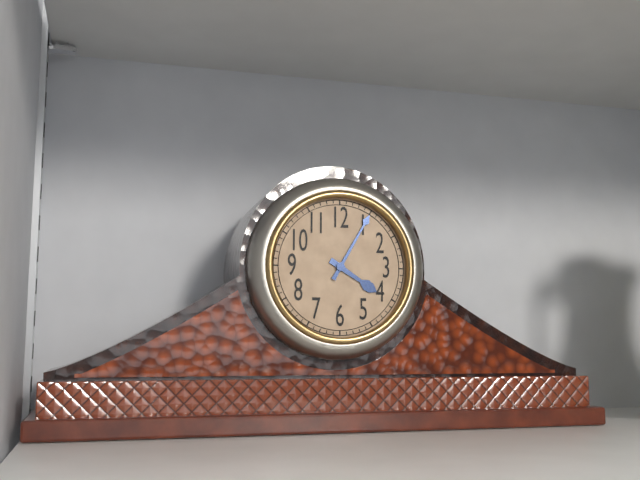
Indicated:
h=4 m=5
